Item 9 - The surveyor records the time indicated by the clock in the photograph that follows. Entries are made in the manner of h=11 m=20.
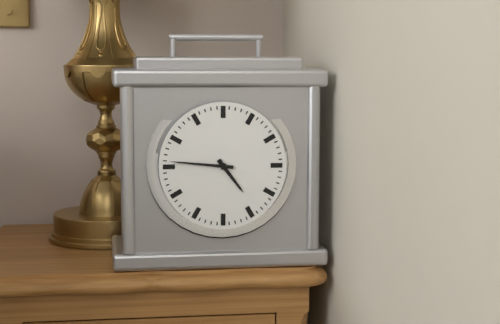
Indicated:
h=4 m=46
